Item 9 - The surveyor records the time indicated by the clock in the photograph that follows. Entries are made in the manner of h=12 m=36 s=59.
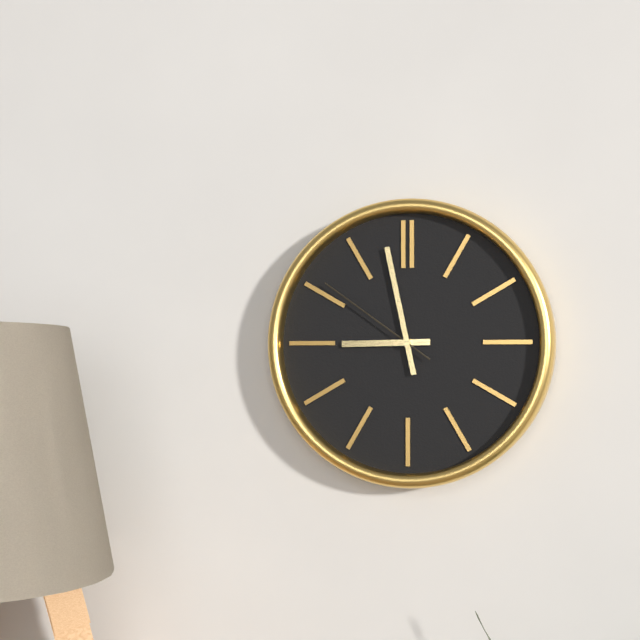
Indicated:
h=8 m=58 s=51
